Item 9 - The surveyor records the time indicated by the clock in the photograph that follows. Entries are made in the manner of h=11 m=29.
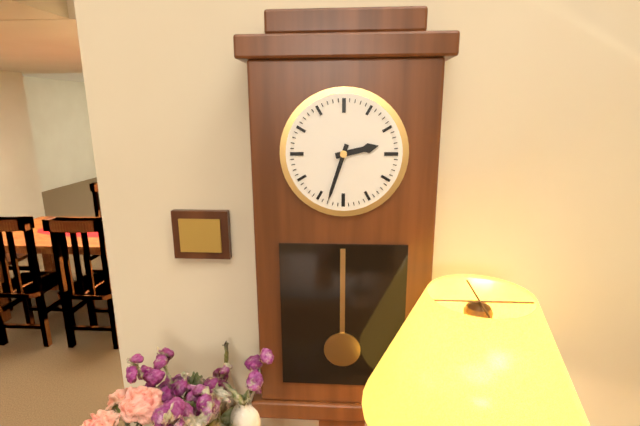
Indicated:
h=2 m=33
